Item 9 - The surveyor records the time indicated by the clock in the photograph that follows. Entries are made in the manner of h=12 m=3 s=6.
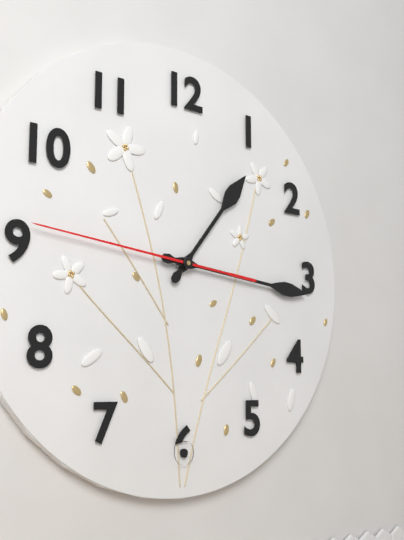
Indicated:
h=1 m=16 s=46
